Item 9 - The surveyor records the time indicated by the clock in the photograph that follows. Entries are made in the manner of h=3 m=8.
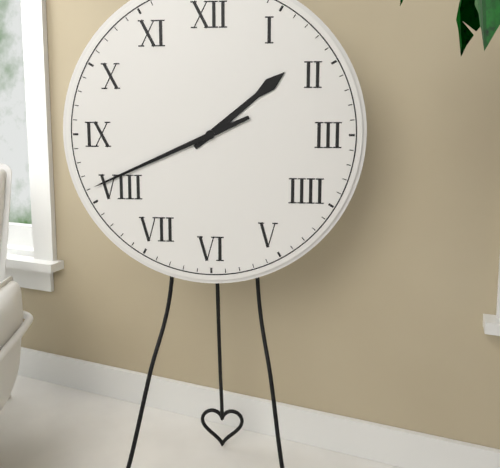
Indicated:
h=1 m=41
